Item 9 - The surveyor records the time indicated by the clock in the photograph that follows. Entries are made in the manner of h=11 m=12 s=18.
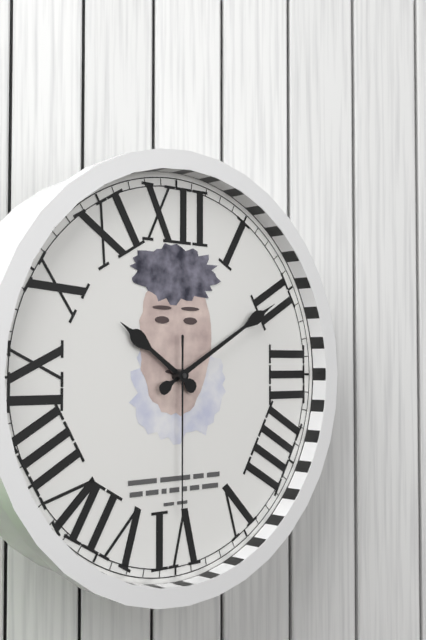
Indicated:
h=10 m=10 s=30
